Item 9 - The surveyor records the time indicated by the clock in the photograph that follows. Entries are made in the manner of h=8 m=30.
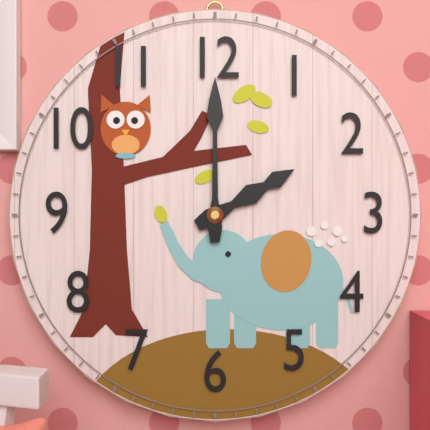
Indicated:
h=2 m=0
